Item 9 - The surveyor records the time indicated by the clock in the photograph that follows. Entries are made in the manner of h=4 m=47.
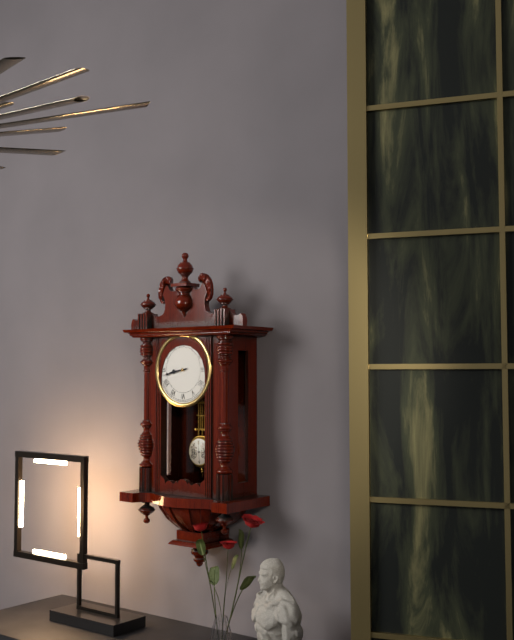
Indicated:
h=8 m=43
